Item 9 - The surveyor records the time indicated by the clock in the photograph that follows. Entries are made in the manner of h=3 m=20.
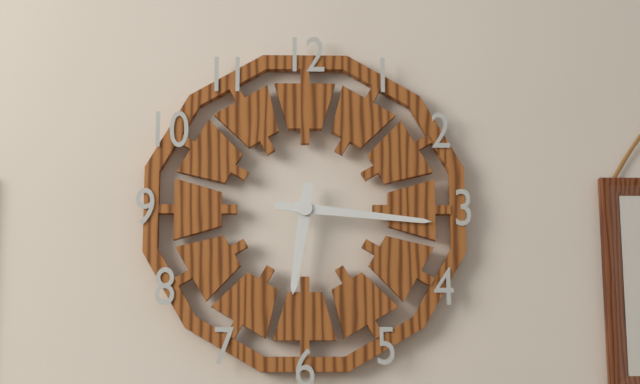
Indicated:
h=6 m=16
